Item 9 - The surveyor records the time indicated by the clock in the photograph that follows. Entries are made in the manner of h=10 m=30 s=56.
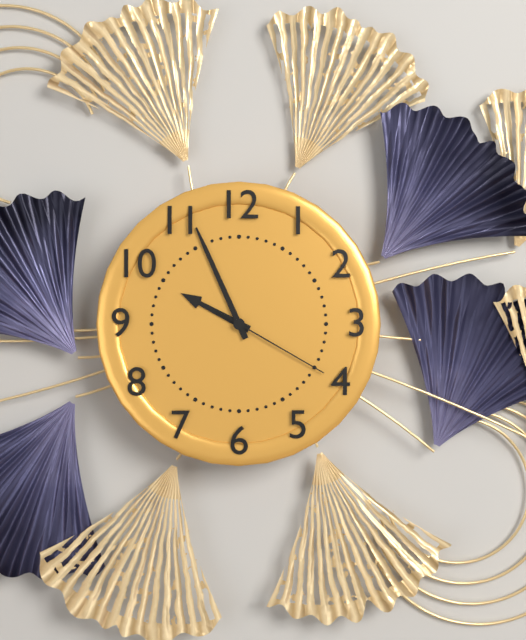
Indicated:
h=9 m=56 s=20
